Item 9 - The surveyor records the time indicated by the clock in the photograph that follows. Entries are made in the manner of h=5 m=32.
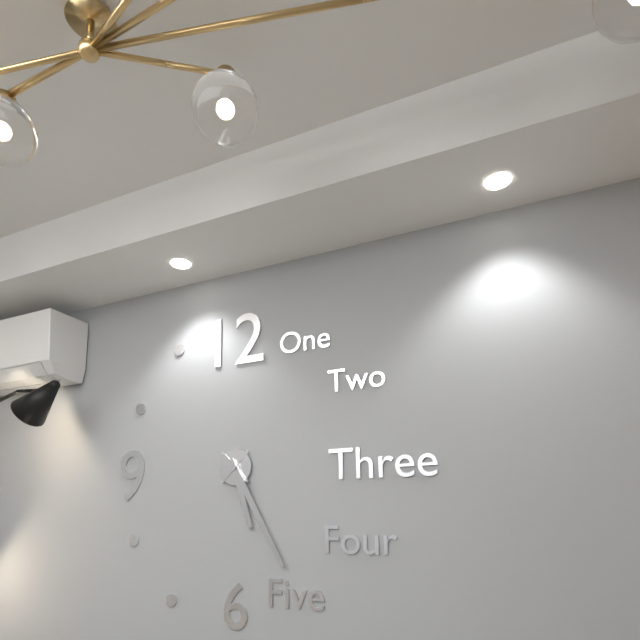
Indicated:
h=5 m=25
